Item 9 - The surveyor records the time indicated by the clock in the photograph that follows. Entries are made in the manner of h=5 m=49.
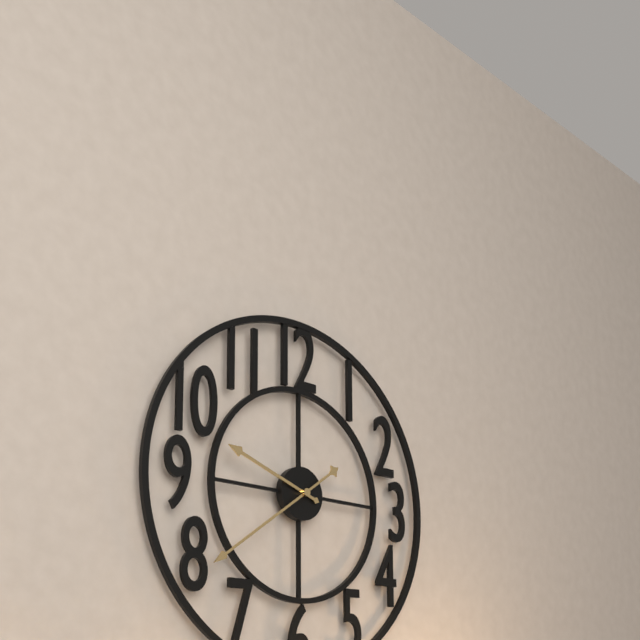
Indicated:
h=9 m=39
